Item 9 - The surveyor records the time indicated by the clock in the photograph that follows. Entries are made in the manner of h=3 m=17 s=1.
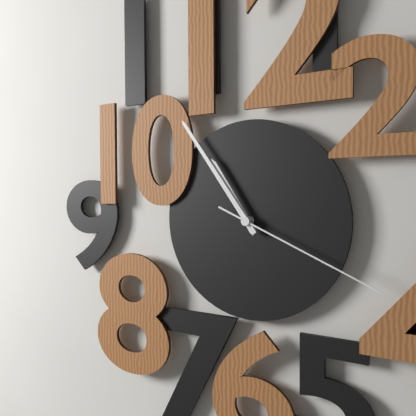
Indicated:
h=10 m=54 s=19
